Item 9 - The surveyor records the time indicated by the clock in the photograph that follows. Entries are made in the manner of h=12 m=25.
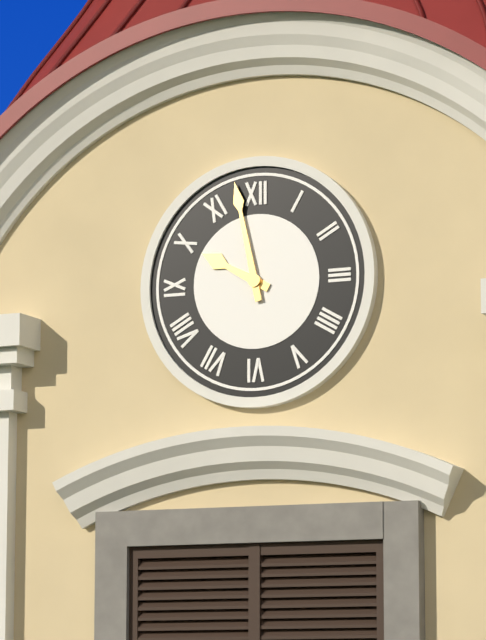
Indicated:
h=9 m=58
